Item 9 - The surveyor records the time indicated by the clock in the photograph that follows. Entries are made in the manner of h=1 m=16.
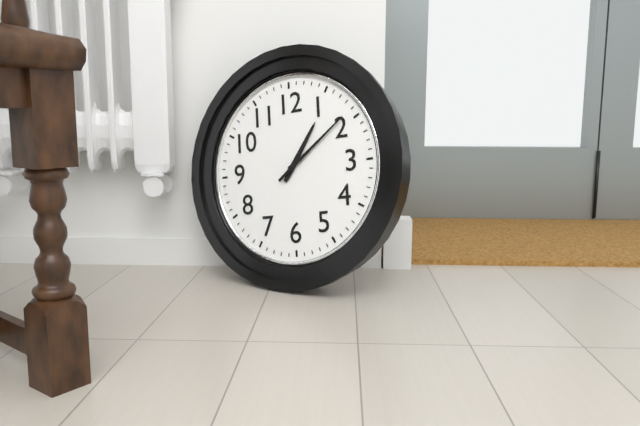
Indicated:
h=1 m=9
